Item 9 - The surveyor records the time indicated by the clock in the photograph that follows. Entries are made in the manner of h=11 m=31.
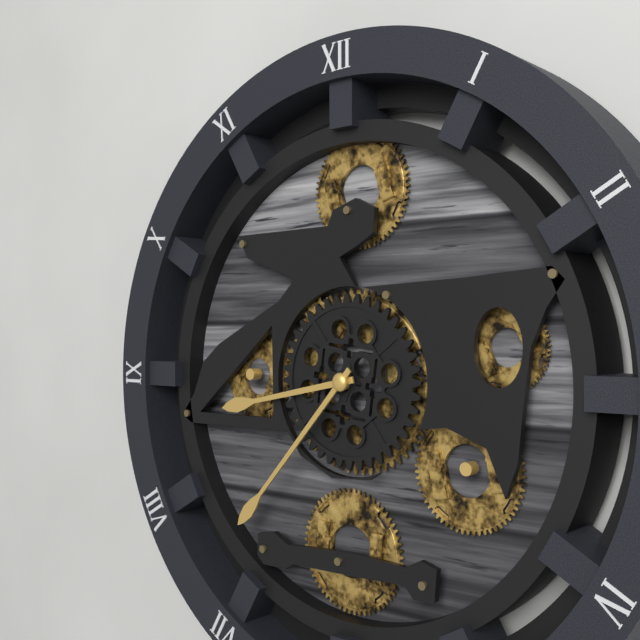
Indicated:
h=8 m=37
